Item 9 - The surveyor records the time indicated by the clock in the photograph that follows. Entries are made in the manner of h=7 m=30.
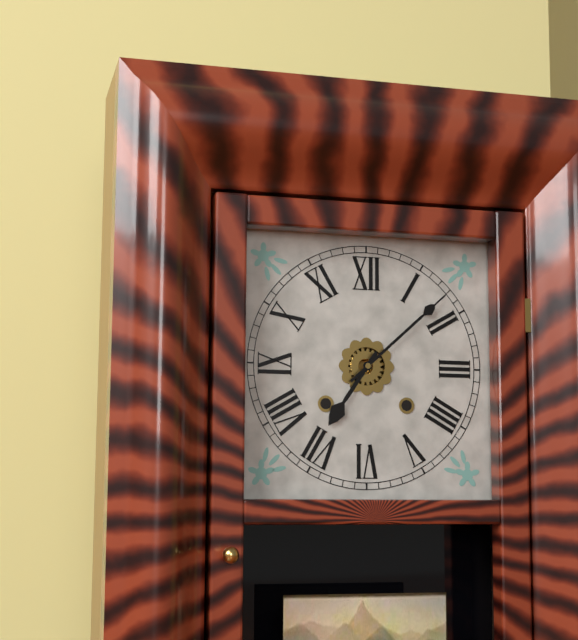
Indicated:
h=7 m=8
